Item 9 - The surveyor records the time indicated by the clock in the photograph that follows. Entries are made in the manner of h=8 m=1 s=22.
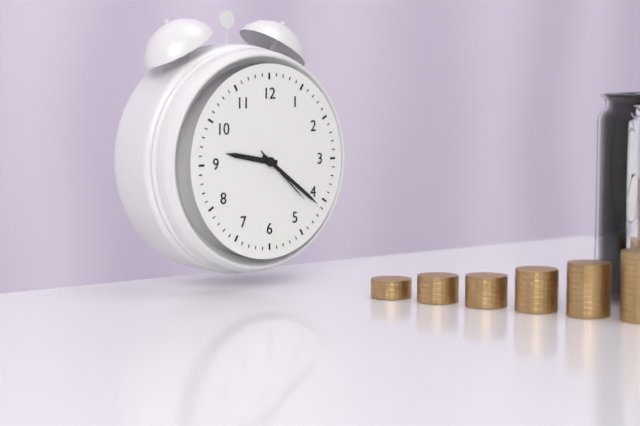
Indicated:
h=9 m=21 s=22
